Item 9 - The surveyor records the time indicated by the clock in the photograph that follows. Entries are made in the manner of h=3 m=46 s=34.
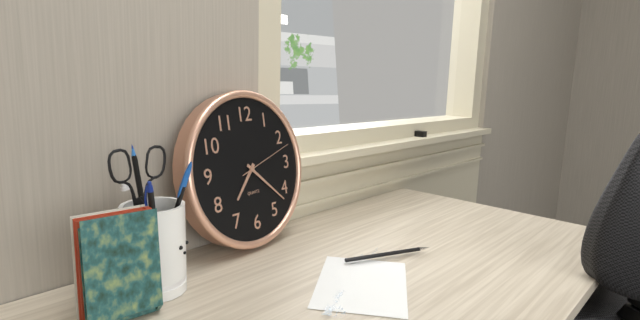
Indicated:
h=7 m=22 s=12
